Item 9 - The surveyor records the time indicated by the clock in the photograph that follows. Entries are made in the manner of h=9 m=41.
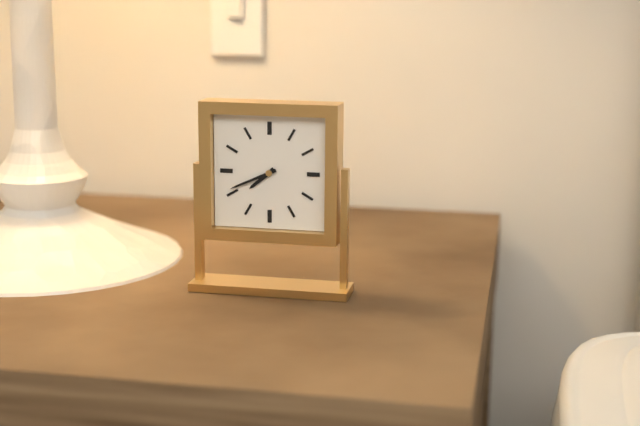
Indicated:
h=7 m=41
